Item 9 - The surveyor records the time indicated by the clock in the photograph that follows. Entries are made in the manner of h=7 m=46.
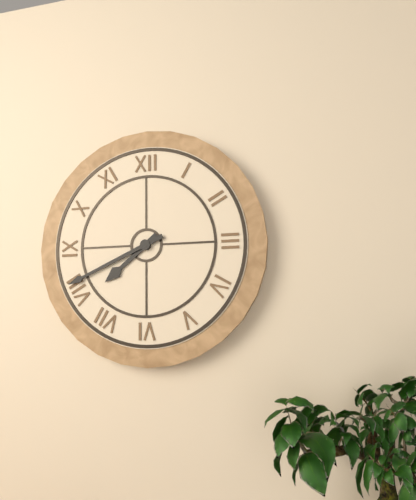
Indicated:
h=7 m=41
